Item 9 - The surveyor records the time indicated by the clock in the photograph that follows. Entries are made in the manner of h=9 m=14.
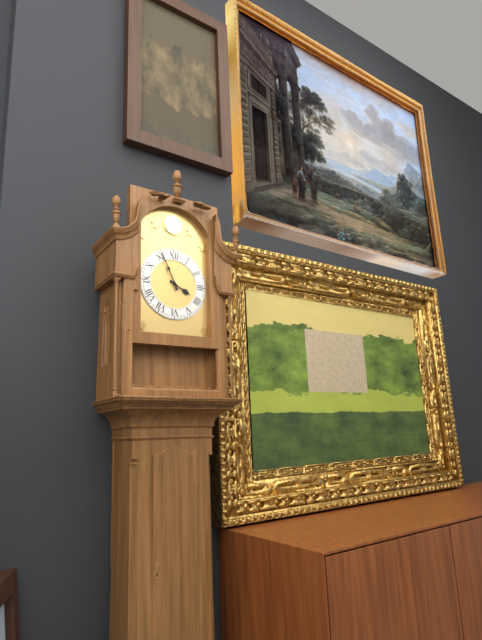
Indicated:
h=3 m=56
